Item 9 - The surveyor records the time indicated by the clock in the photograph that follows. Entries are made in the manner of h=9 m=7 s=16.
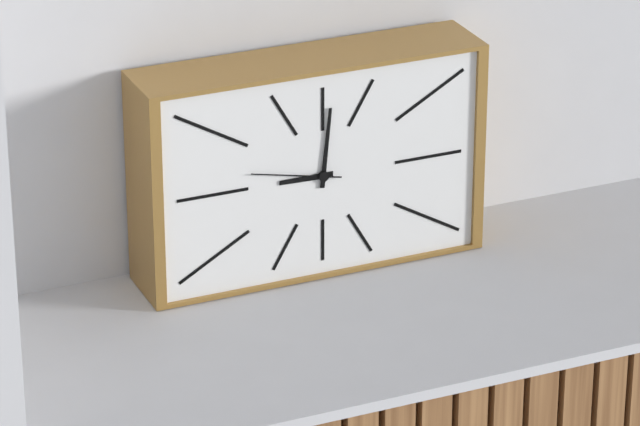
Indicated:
h=9 m=1 s=47
